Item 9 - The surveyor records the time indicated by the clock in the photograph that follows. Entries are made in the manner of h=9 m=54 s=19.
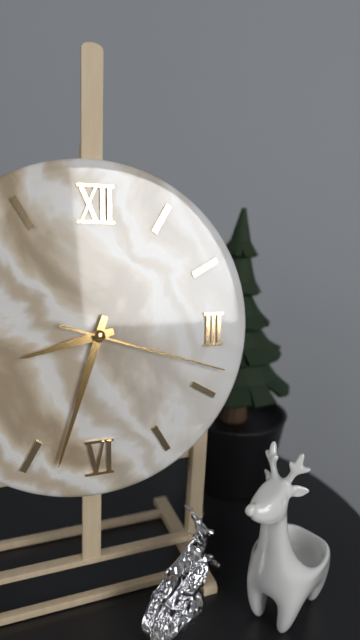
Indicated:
h=8 m=33 s=18
